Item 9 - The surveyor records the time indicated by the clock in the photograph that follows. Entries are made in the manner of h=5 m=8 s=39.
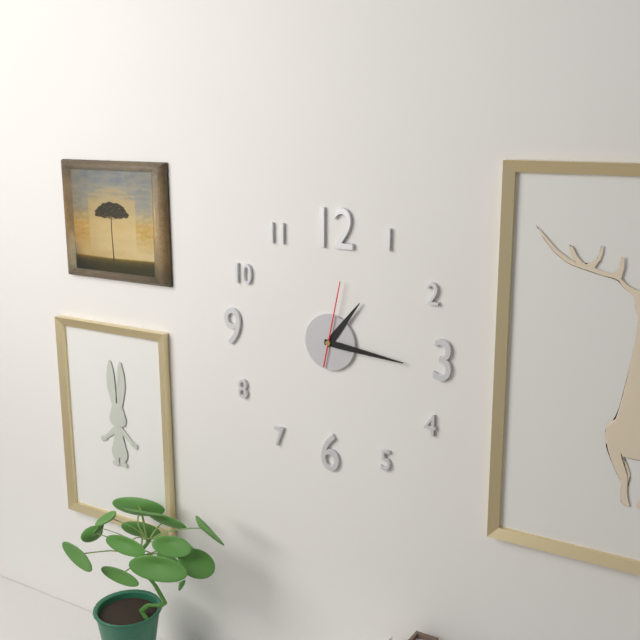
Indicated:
h=1 m=16 s=2
